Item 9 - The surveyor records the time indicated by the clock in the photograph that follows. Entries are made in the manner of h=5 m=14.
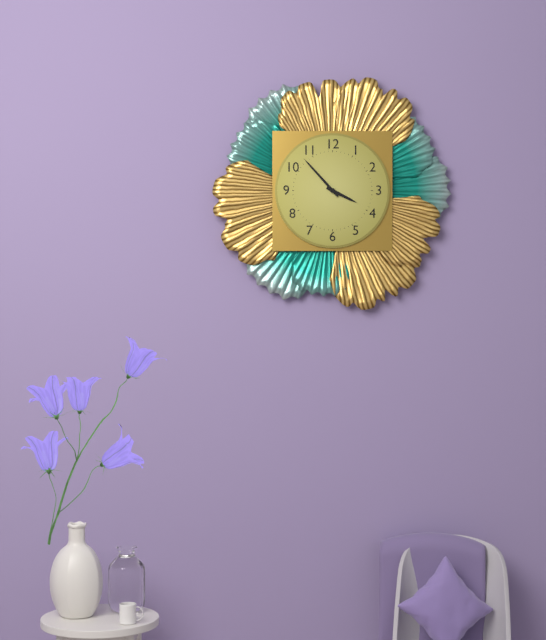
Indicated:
h=3 m=53
